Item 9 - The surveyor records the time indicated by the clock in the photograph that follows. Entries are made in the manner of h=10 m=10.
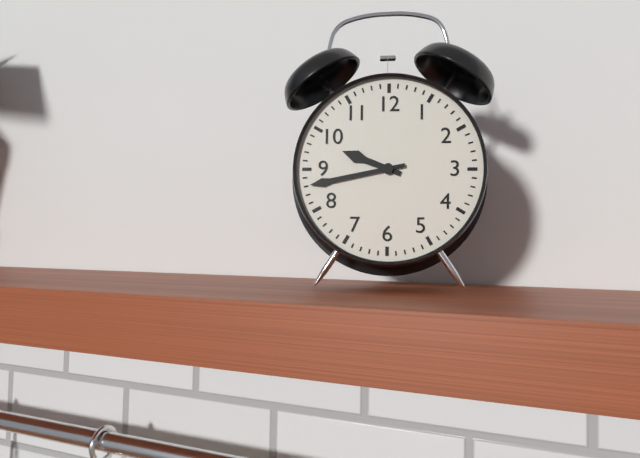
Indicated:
h=9 m=43
